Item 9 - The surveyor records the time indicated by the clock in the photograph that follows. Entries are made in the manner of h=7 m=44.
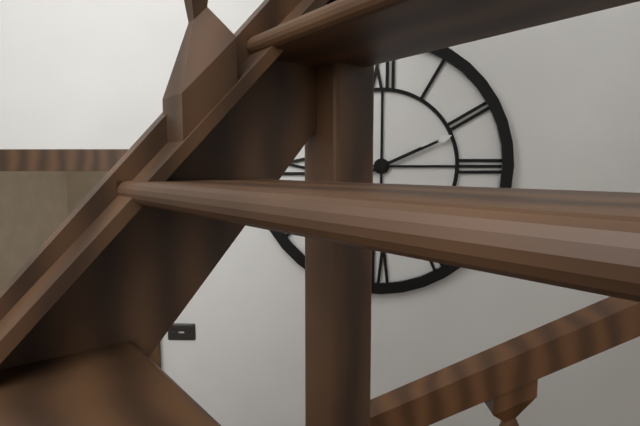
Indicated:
h=2 m=11
